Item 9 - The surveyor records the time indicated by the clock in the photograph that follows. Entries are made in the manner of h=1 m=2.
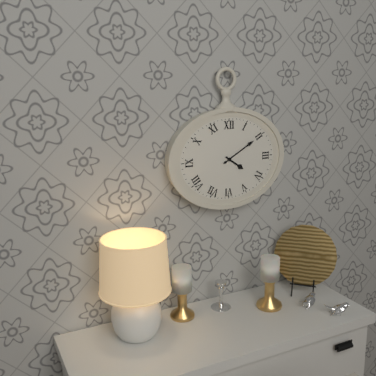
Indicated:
h=4 m=10
